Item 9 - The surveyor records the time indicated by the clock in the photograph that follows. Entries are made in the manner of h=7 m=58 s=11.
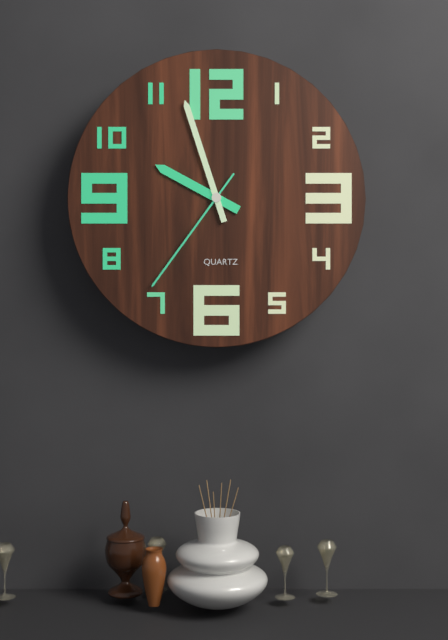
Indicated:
h=9 m=57 s=36
